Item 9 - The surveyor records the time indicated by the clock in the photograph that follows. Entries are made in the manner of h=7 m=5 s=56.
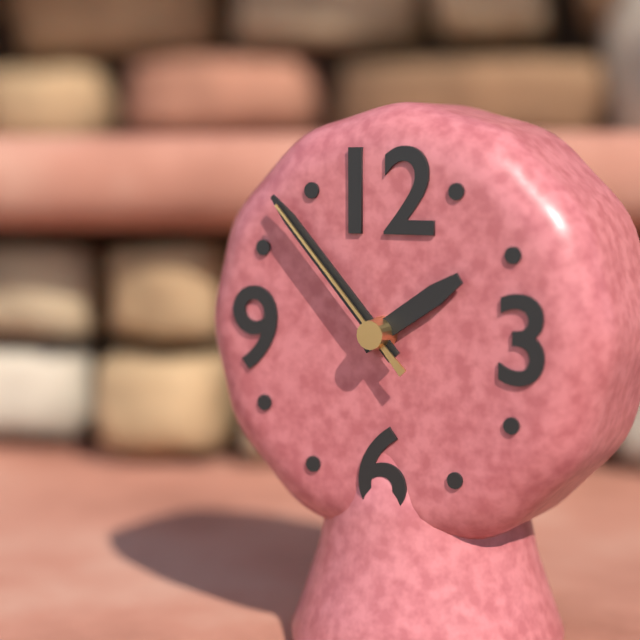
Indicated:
h=1 m=53 s=53
